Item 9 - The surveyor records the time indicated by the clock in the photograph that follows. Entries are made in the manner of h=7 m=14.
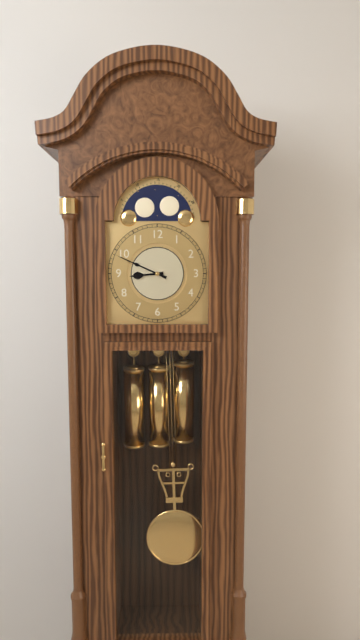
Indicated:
h=8 m=49
